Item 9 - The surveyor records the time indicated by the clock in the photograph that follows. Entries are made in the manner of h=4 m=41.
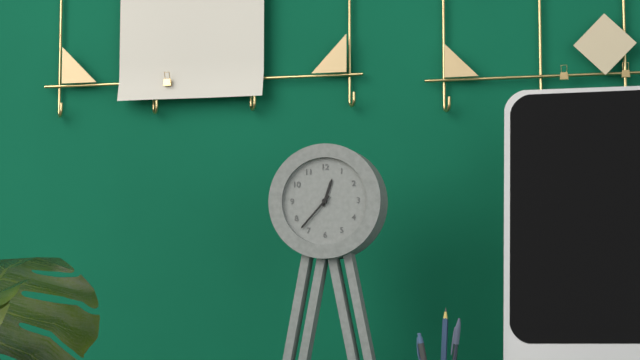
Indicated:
h=12 m=37
